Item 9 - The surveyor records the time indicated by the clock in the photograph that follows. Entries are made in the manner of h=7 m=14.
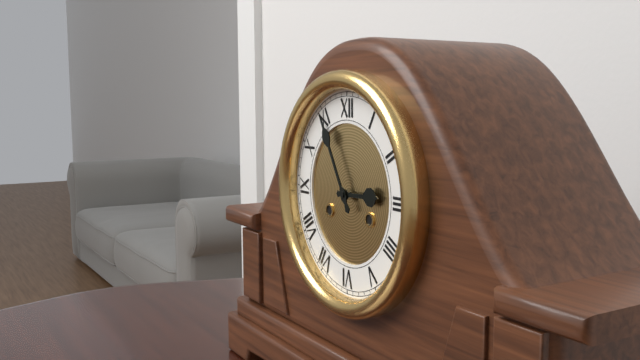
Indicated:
h=2 m=55
